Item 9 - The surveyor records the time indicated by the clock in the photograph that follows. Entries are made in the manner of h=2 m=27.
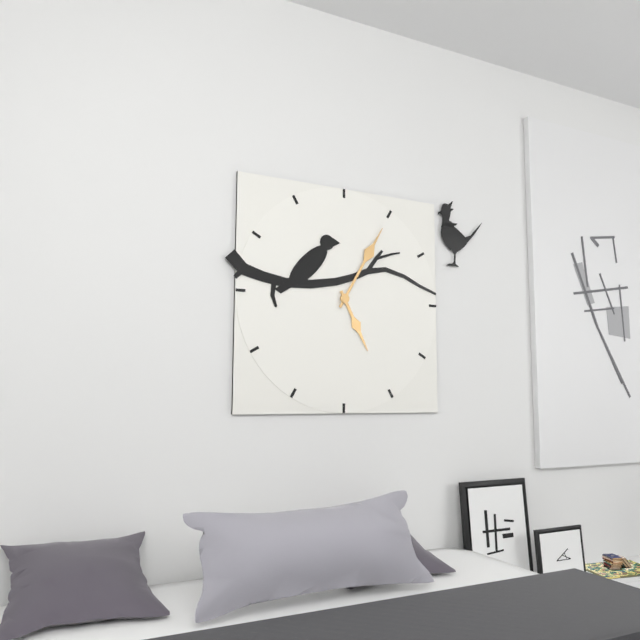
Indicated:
h=5 m=5
